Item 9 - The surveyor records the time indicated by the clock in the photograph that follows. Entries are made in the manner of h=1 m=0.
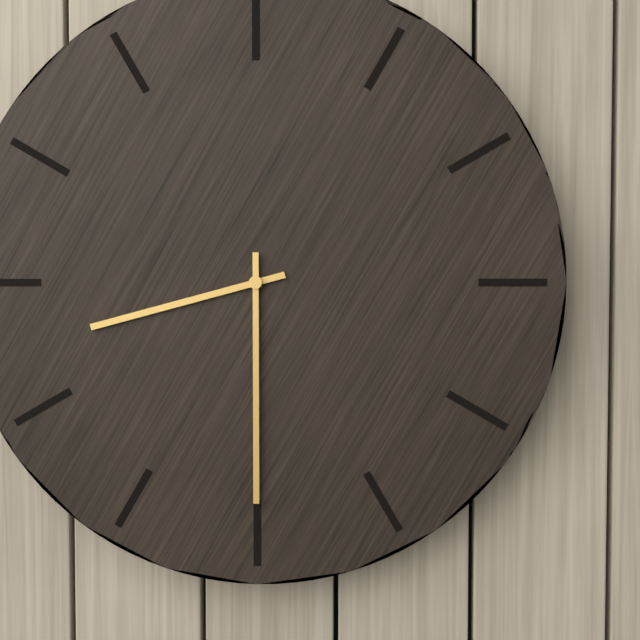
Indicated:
h=8 m=30
